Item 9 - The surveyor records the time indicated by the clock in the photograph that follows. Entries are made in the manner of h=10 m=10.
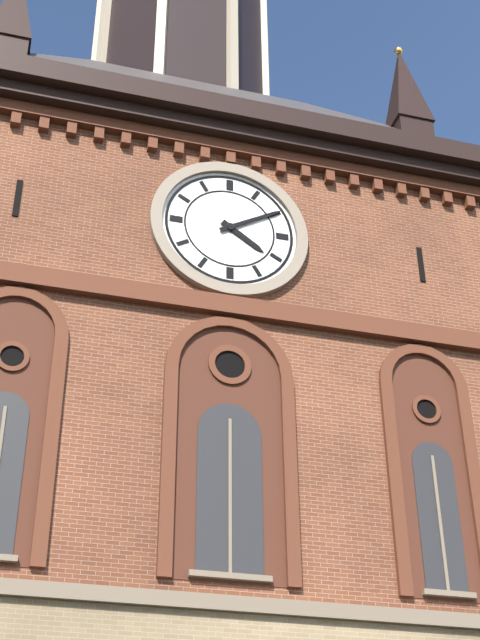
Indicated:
h=4 m=10
